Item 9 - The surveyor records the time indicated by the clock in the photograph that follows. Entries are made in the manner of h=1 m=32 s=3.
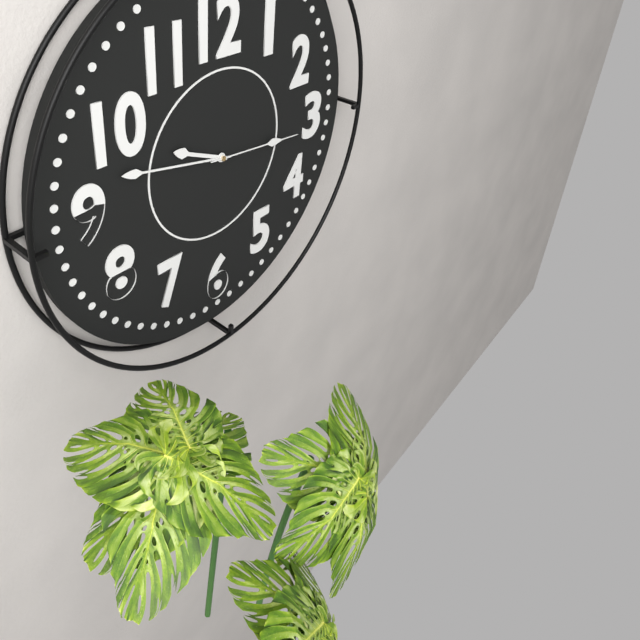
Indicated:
h=9 m=47 s=16
